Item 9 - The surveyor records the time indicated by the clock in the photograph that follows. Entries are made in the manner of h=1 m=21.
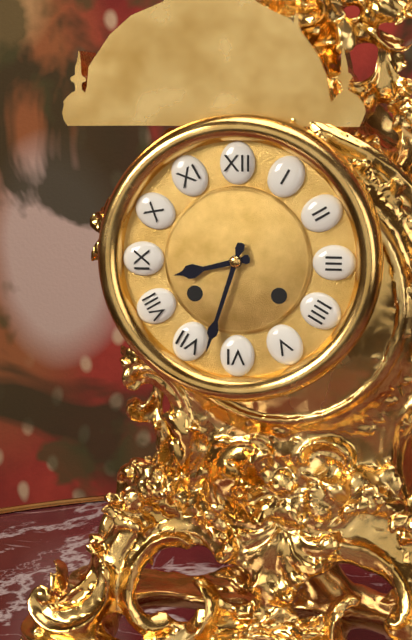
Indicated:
h=8 m=33
